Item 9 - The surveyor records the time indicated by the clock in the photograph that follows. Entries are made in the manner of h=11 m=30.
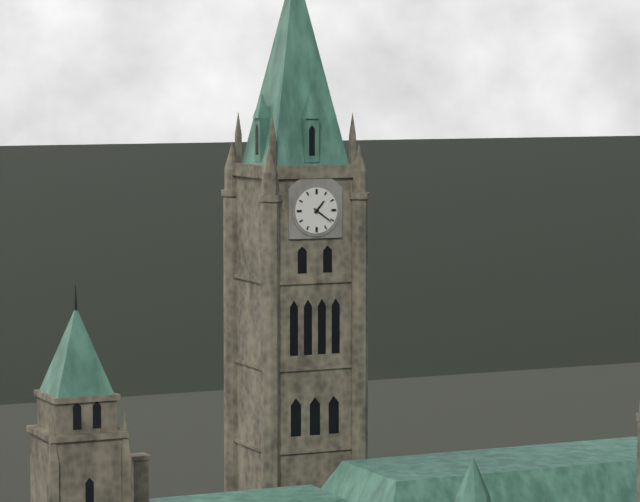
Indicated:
h=1 m=21
